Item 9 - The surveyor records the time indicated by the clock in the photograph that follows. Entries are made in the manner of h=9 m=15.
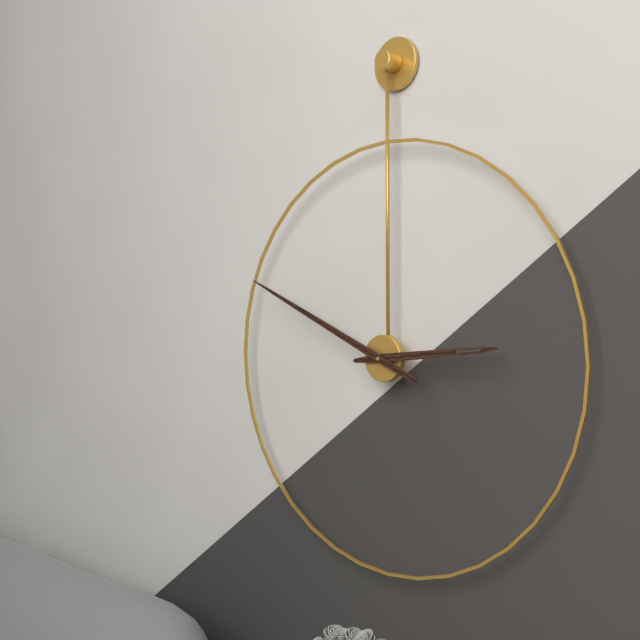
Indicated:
h=2 m=49
